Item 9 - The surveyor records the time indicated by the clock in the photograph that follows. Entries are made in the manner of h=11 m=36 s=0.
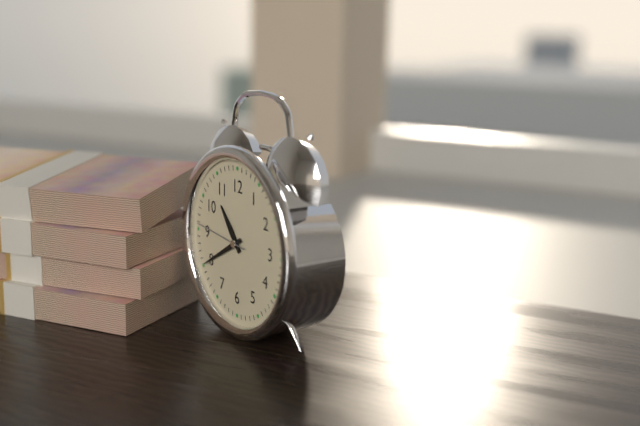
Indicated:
h=10 m=40 s=46
